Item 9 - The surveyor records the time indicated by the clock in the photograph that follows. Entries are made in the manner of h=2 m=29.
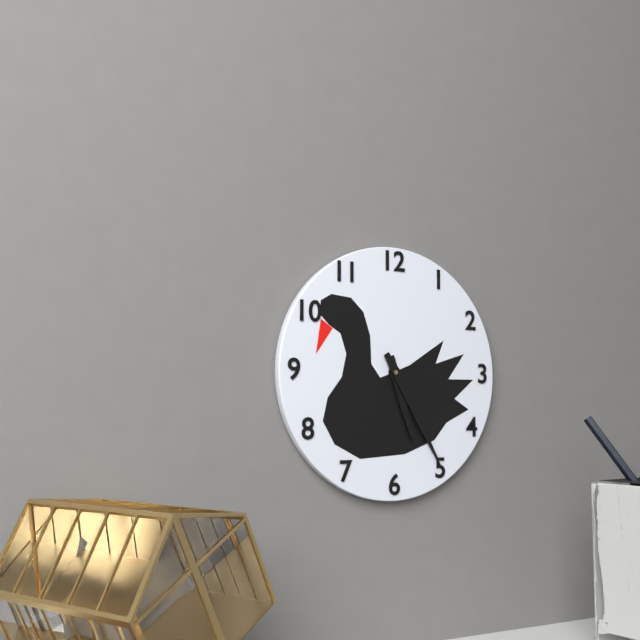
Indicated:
h=5 m=25
